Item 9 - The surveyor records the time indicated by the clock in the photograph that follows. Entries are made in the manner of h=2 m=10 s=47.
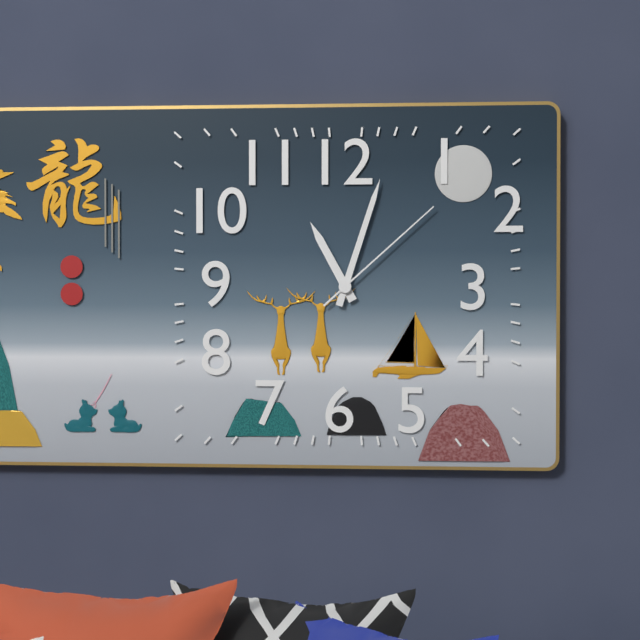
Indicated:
h=11 m=3 s=8
